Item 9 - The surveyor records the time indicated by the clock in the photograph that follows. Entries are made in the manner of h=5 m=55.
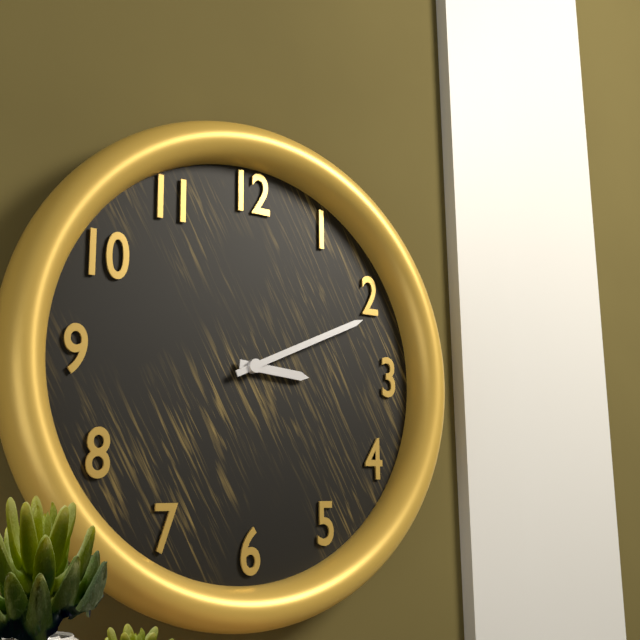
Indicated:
h=3 m=11
